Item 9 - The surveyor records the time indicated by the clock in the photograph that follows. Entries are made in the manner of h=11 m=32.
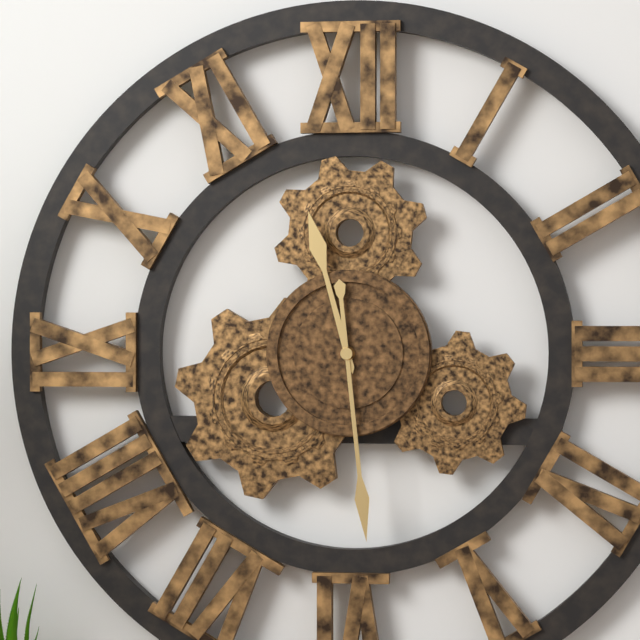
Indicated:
h=11 m=29
